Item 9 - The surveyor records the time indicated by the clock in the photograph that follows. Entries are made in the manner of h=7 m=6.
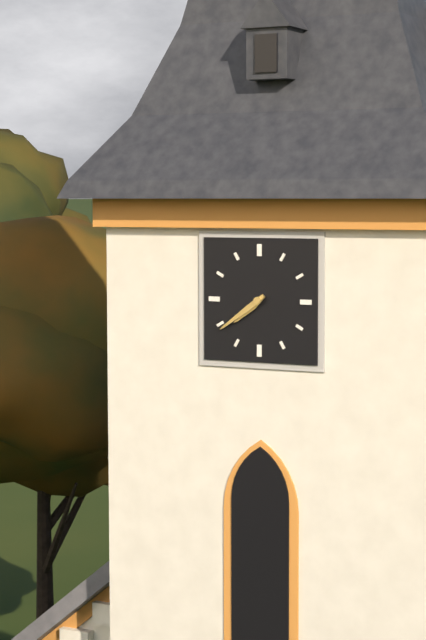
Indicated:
h=7 m=39
